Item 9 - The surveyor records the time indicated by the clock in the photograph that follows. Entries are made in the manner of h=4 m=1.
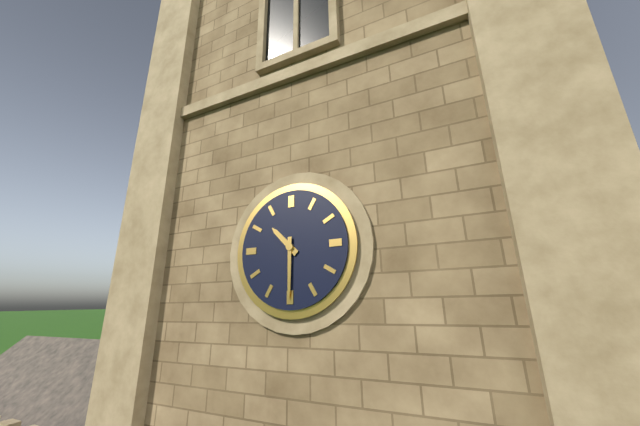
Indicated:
h=10 m=30
